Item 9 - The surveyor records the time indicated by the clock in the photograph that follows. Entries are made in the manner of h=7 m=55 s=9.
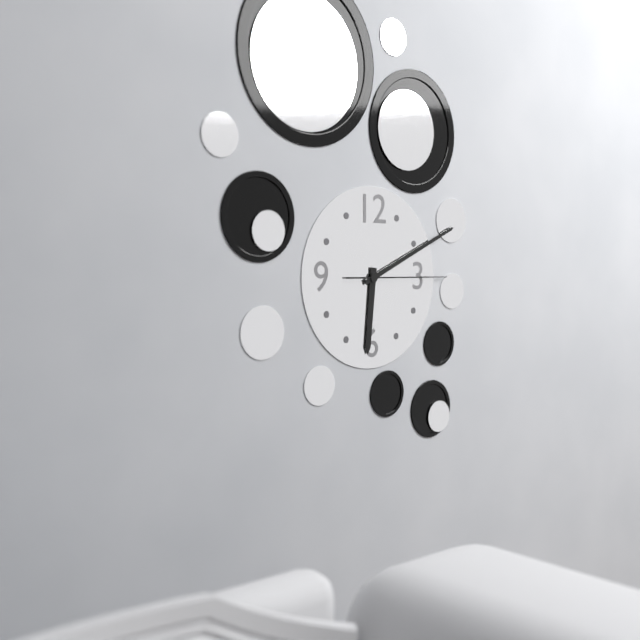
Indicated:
h=6 m=11 s=15
